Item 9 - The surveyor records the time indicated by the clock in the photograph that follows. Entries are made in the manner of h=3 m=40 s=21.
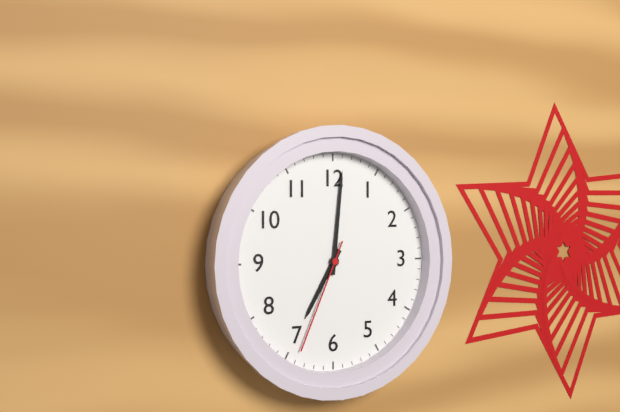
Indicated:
h=7 m=1 s=34
